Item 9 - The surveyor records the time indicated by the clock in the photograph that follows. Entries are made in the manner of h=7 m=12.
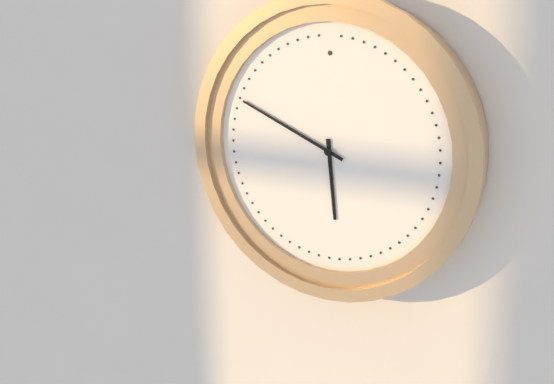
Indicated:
h=5 m=49
